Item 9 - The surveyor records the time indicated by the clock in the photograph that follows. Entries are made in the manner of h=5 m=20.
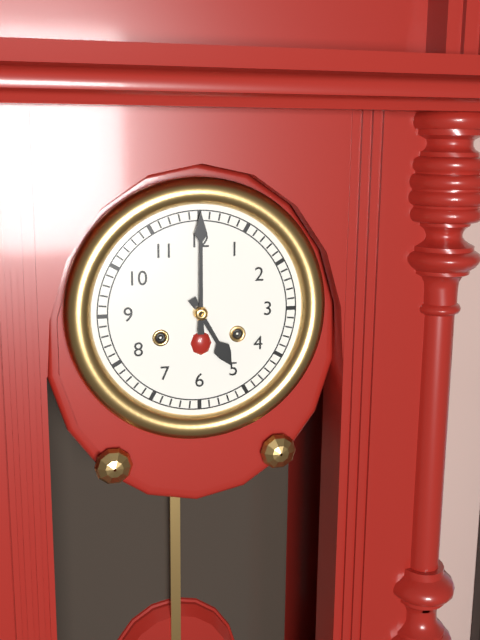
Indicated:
h=5 m=0
